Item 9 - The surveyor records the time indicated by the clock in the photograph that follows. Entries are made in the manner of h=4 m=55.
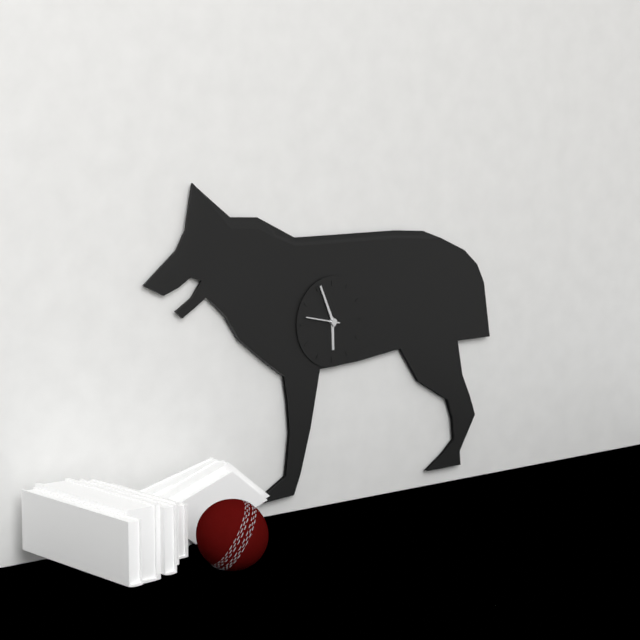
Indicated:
h=5 m=56
